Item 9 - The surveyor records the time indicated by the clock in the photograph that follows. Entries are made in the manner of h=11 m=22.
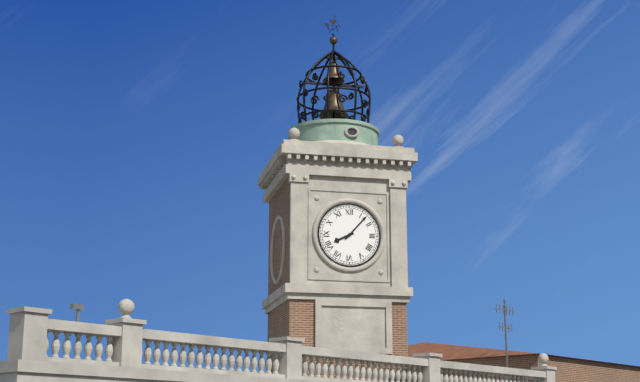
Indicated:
h=8 m=7
